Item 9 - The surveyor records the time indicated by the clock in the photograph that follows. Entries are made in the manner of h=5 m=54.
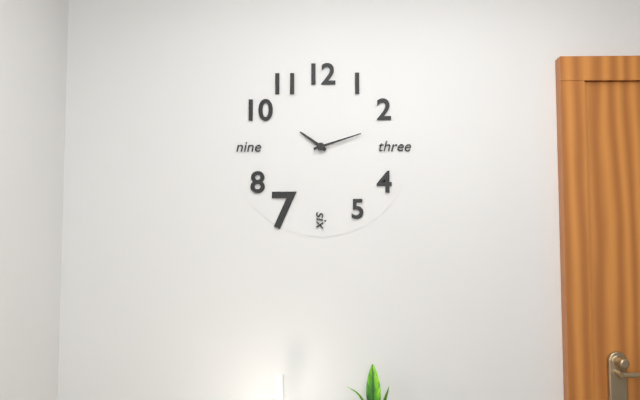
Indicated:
h=10 m=12
